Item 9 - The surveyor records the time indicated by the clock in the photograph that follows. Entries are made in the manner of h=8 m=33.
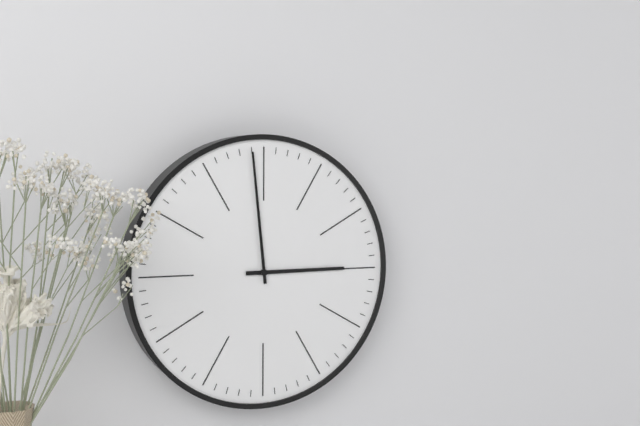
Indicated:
h=2 m=59
